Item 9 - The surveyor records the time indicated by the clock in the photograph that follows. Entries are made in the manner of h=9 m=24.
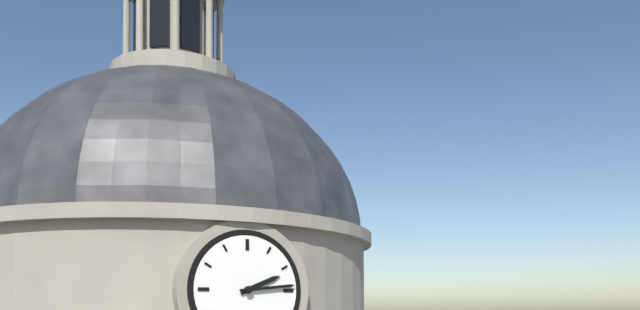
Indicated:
h=2 m=14
